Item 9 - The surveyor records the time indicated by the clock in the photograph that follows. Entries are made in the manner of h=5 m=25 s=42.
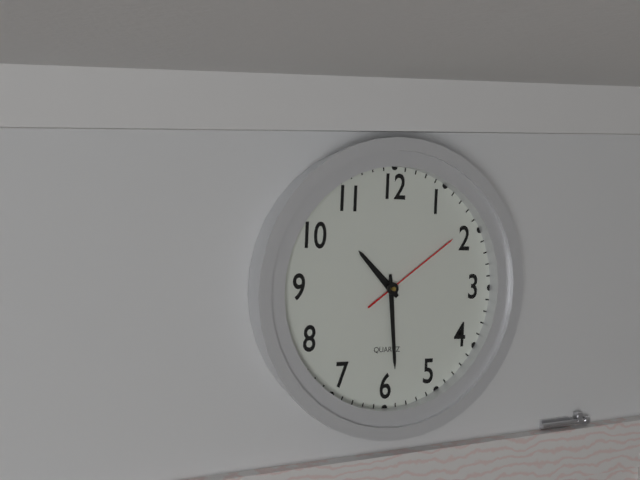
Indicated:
h=10 m=29 s=9
